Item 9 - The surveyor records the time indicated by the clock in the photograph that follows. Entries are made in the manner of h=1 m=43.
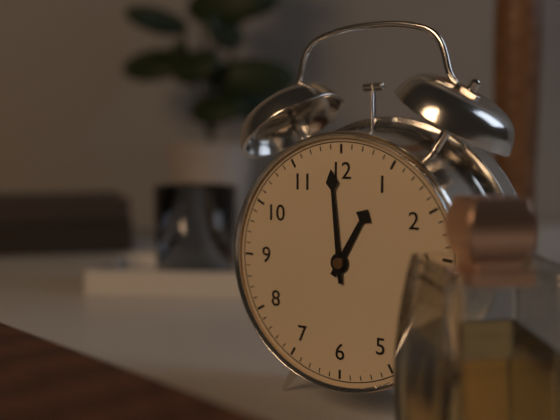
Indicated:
h=12 m=59
